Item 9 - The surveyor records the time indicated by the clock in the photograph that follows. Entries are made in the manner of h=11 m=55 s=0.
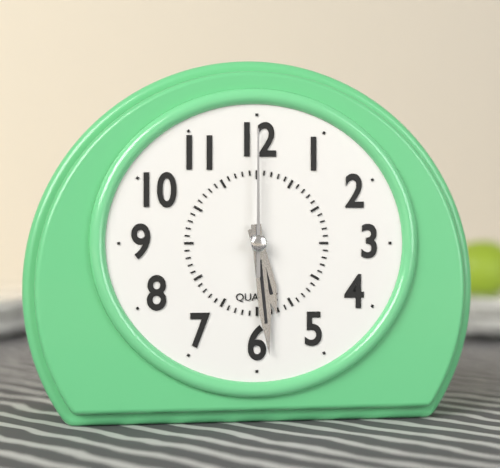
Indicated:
h=5 m=29 s=0
